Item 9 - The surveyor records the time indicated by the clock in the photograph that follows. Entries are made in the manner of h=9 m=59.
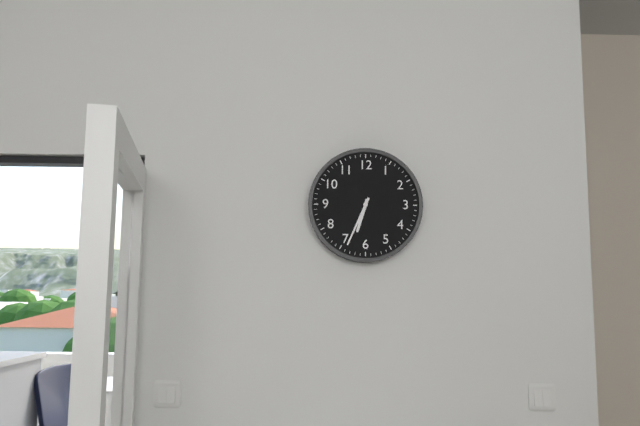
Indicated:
h=6 m=34
